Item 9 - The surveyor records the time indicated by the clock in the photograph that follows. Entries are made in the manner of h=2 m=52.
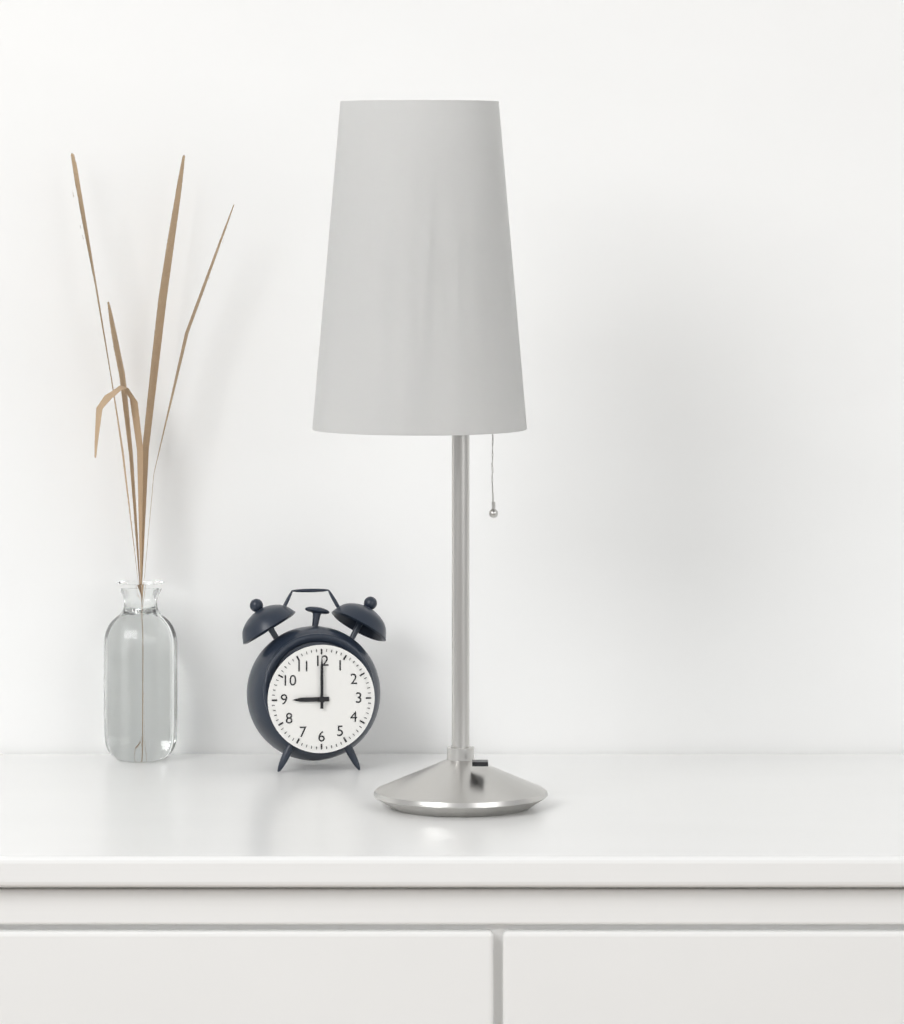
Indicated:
h=9 m=0
